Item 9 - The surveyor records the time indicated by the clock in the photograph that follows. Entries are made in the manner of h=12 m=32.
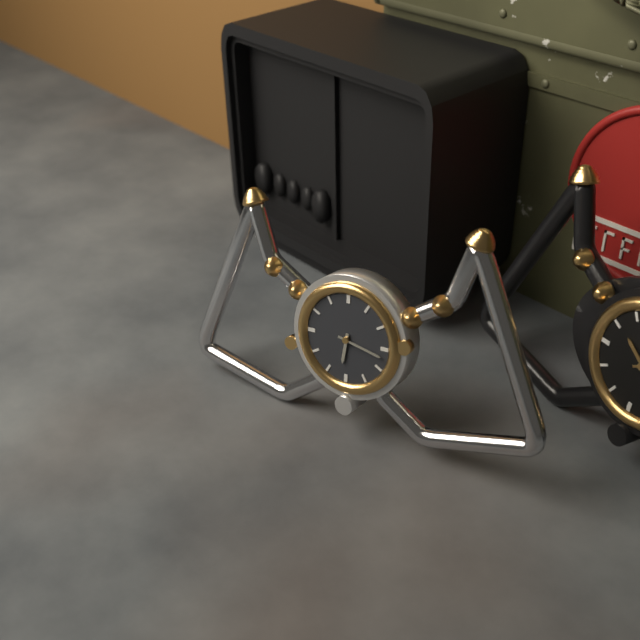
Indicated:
h=6 m=17
